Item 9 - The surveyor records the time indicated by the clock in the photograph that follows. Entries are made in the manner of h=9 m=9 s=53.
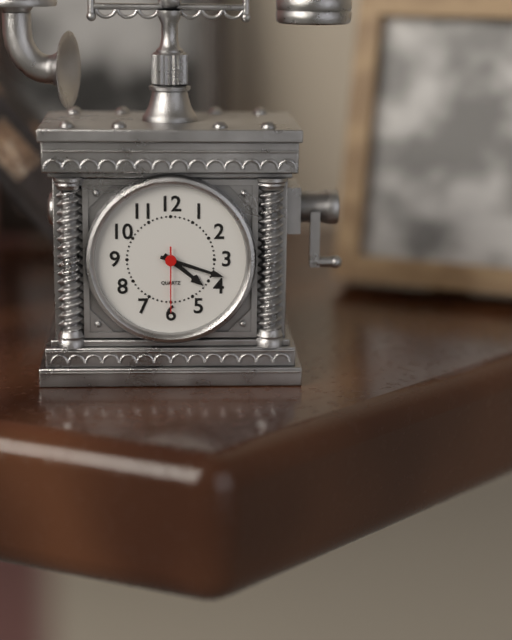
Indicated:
h=4 m=18 s=30
